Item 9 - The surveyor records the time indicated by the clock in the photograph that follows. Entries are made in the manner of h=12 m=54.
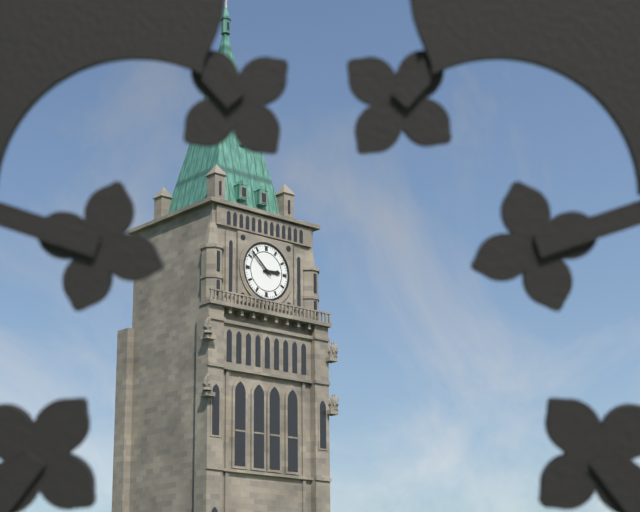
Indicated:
h=2 m=52
